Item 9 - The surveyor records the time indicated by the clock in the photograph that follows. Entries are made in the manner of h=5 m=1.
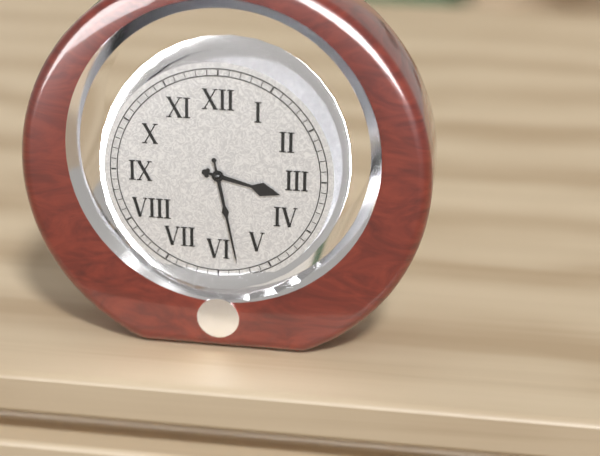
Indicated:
h=3 m=28
